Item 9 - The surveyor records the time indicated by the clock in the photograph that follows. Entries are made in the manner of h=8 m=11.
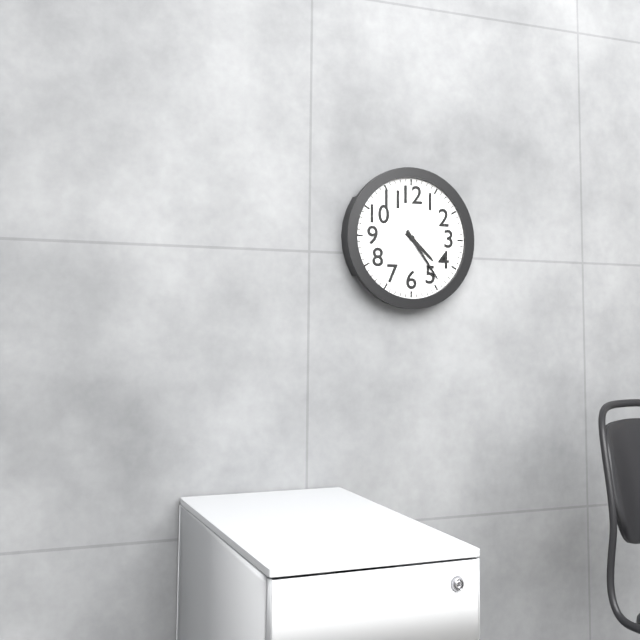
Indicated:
h=4 m=24
